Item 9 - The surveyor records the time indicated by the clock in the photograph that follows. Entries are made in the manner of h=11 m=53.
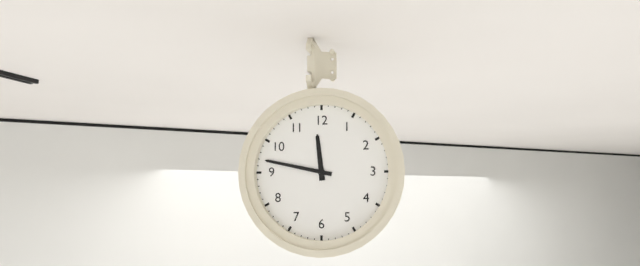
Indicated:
h=11 m=47
